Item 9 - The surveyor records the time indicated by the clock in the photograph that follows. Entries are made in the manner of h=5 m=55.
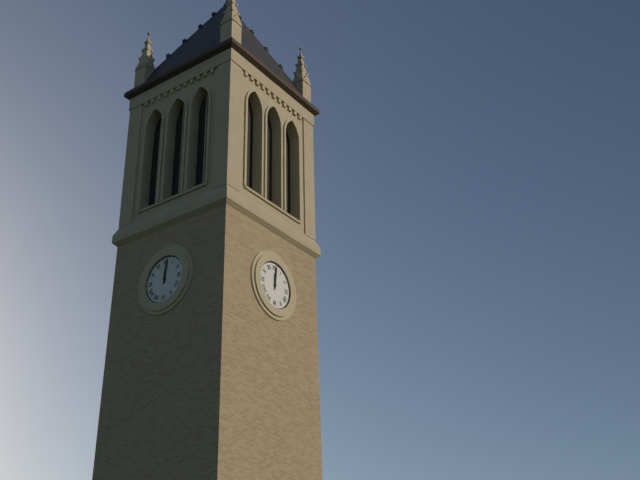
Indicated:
h=12 m=1
